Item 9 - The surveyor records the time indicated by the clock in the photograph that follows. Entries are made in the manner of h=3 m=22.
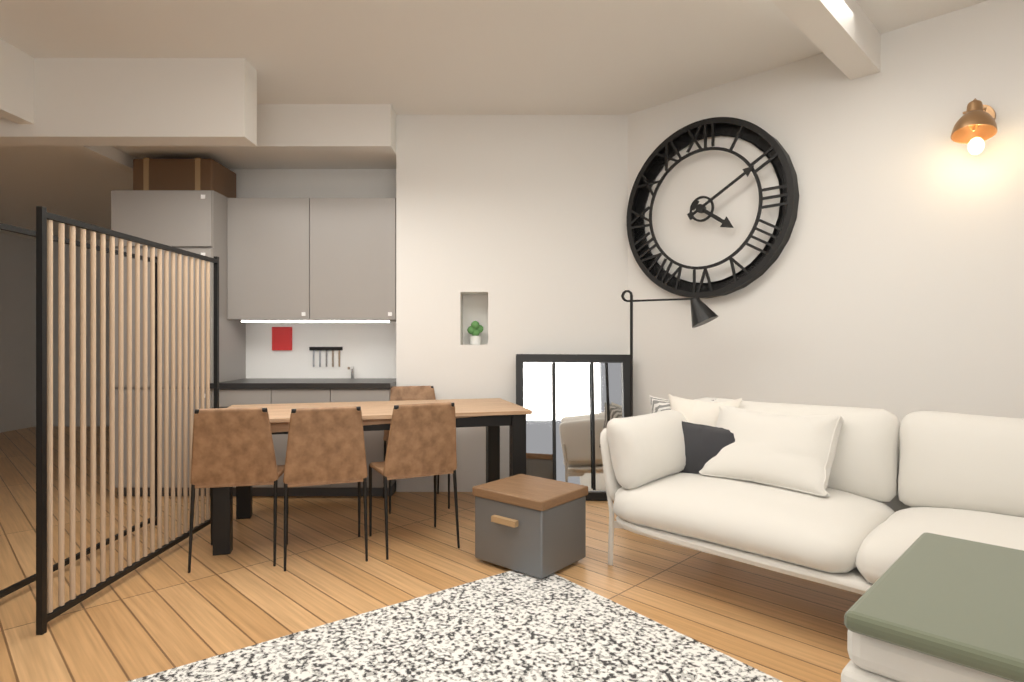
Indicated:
h=4 m=10
